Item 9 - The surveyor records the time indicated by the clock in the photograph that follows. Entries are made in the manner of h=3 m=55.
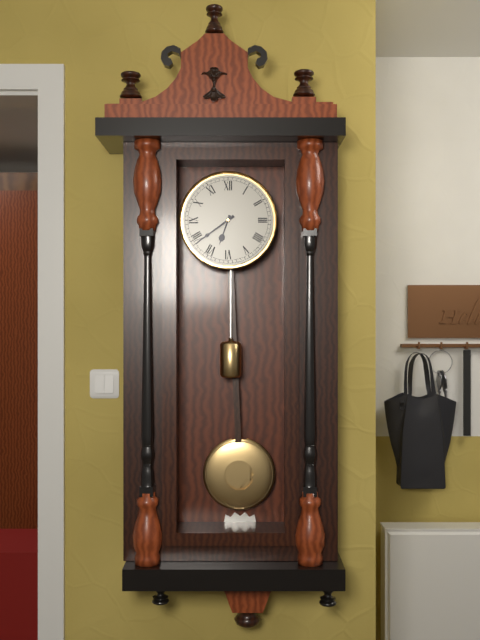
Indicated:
h=6 m=39
